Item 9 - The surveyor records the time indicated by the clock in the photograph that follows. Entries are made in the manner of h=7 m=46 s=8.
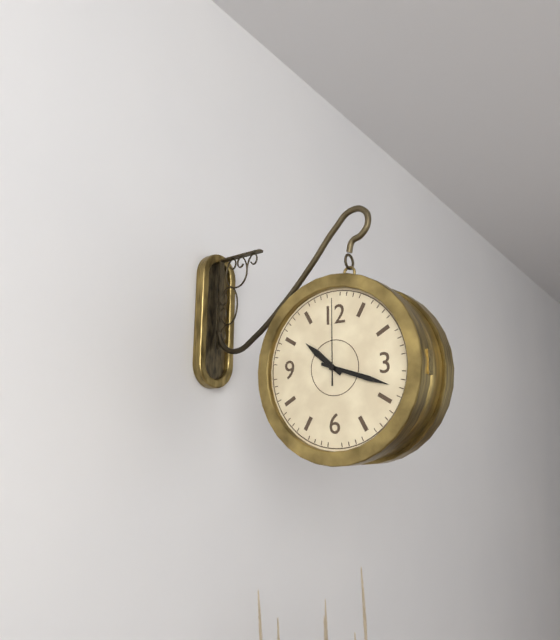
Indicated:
h=10 m=18 s=0
